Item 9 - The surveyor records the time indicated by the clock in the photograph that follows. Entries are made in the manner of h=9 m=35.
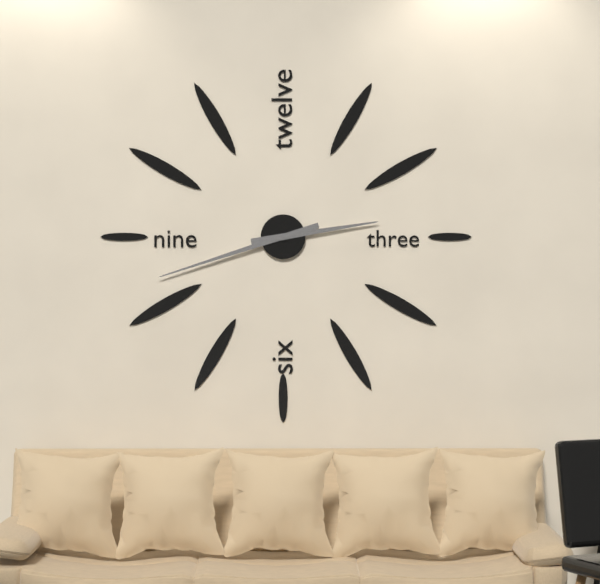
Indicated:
h=2 m=42
